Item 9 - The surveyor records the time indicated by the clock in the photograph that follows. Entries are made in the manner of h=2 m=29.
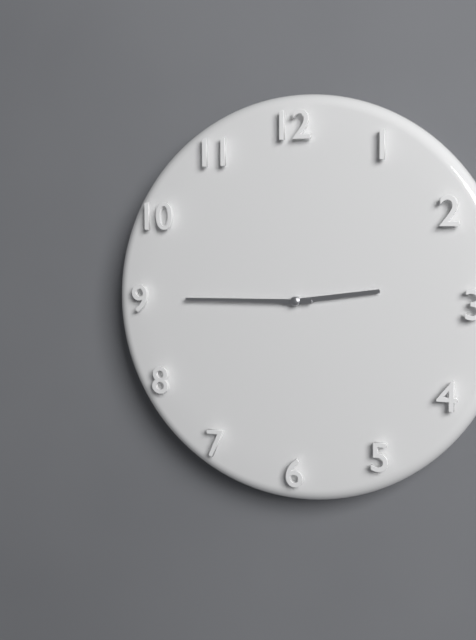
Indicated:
h=2 m=45
